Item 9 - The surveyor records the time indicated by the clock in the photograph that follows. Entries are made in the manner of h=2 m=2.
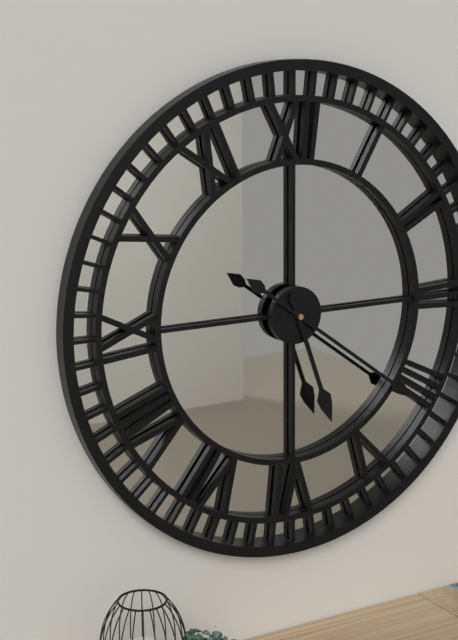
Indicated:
h=5 m=21
